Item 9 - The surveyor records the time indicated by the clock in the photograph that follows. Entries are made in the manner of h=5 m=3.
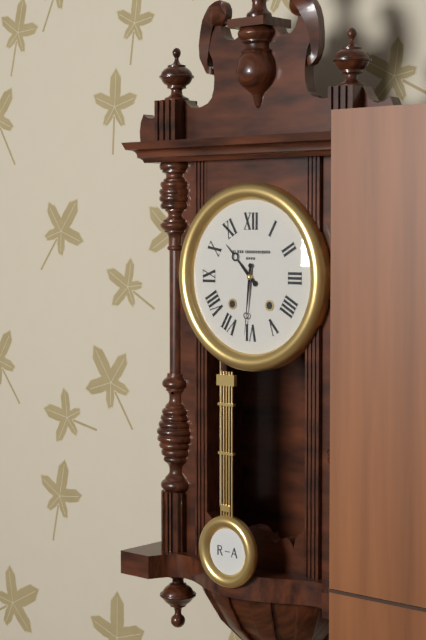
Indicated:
h=10 m=31
